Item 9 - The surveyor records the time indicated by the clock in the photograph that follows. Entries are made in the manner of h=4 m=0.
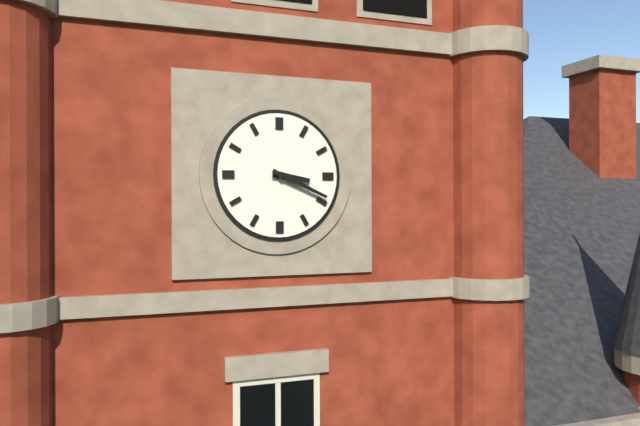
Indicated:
h=3 m=19
